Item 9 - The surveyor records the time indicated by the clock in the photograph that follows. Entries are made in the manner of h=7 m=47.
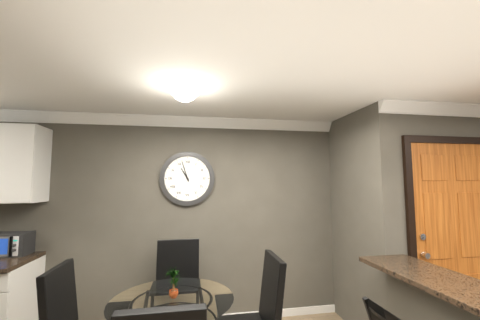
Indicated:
h=10 m=57
